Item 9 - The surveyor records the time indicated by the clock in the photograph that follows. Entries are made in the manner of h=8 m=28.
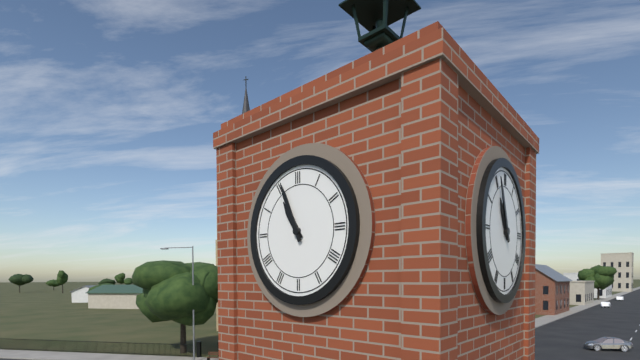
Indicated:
h=10 m=56
